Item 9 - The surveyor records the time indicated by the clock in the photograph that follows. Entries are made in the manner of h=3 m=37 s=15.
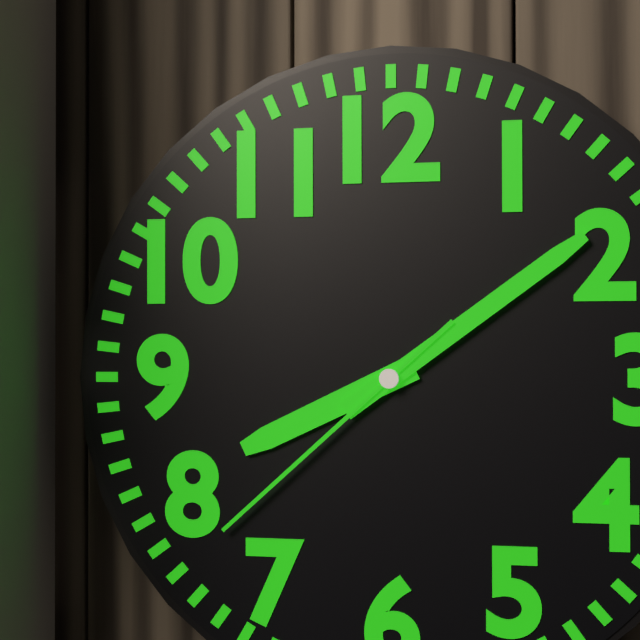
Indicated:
h=8 m=9 s=38
